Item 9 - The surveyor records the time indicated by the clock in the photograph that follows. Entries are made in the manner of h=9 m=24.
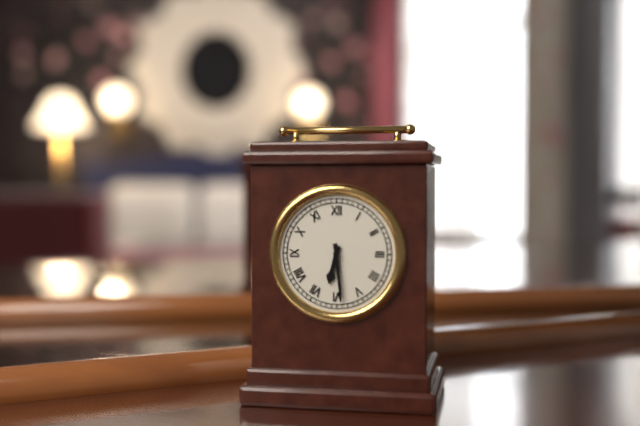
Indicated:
h=6 m=29
